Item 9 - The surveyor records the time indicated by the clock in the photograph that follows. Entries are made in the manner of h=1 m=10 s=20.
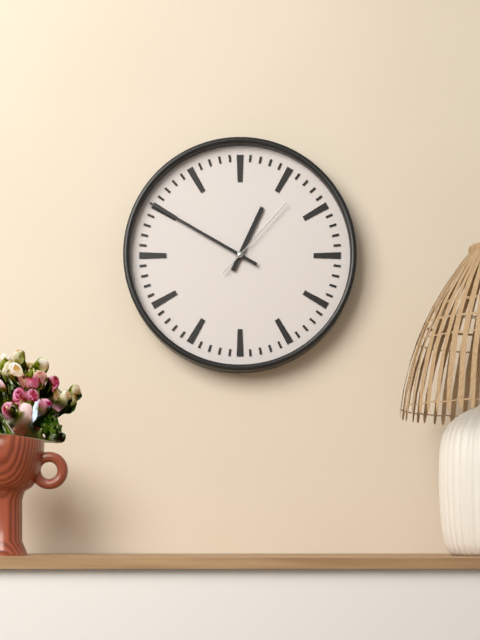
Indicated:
h=12 m=50 s=7
